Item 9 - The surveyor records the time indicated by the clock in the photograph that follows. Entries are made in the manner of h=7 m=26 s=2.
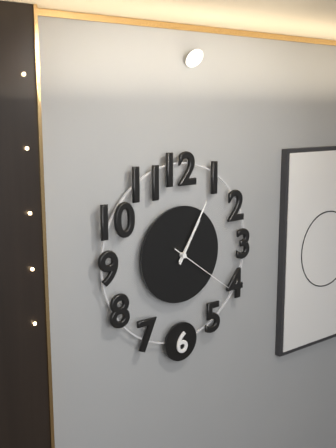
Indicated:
h=1 m=5 s=21
